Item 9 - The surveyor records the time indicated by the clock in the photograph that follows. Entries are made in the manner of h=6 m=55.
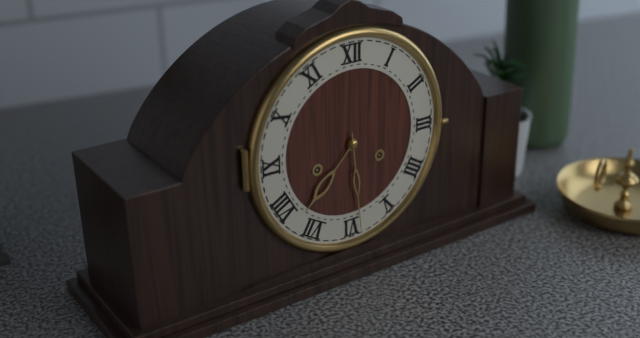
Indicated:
h=7 m=29
